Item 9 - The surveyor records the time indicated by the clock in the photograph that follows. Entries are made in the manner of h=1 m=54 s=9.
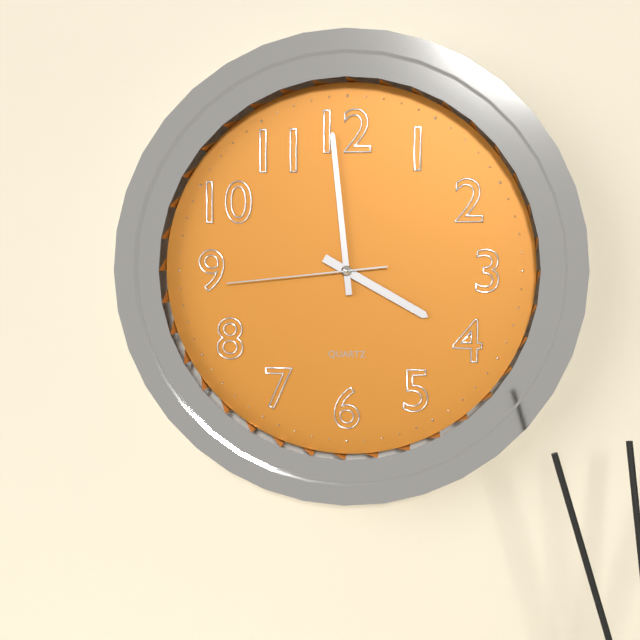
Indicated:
h=3 m=59 s=44
